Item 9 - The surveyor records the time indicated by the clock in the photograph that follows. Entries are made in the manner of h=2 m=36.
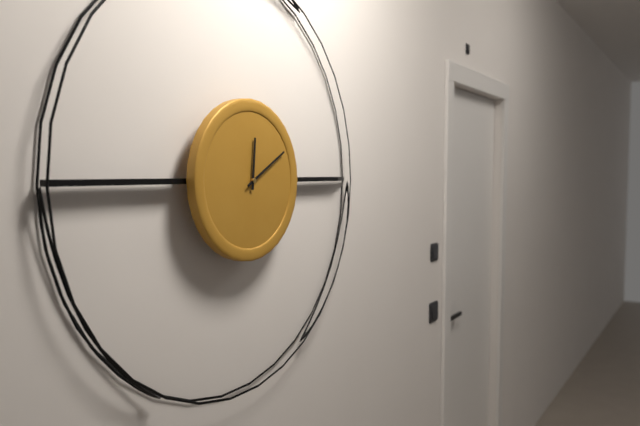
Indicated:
h=12 m=10
